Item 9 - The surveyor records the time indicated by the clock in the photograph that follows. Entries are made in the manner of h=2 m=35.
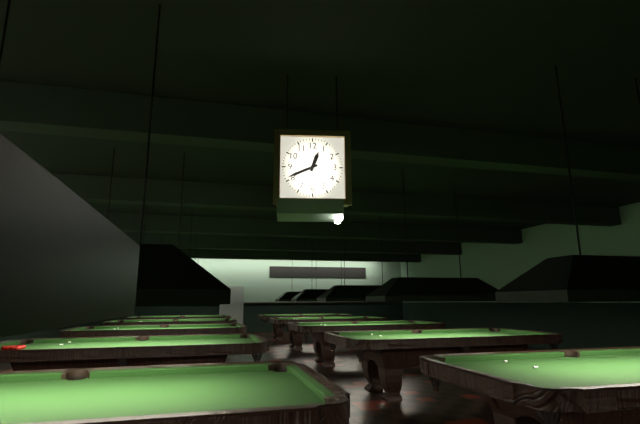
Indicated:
h=12 m=41
